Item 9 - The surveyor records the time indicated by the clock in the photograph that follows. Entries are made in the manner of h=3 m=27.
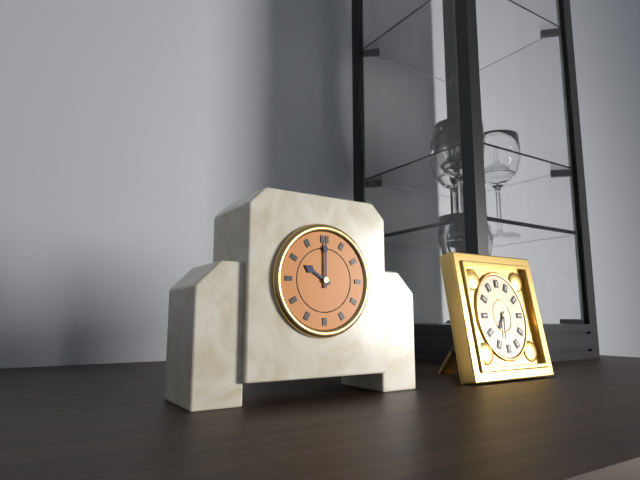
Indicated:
h=10 m=0
